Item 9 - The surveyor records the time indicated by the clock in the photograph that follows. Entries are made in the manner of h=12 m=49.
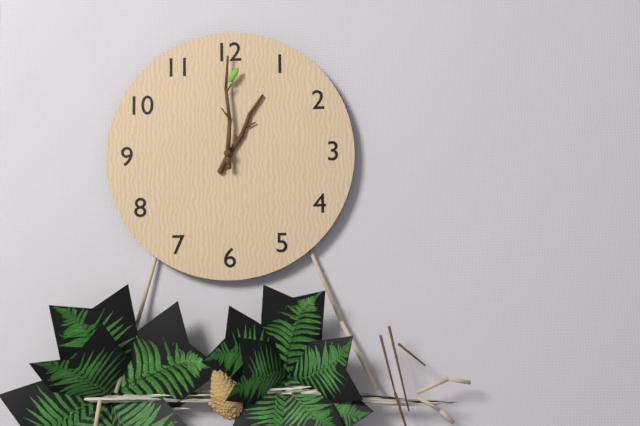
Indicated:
h=1 m=0
